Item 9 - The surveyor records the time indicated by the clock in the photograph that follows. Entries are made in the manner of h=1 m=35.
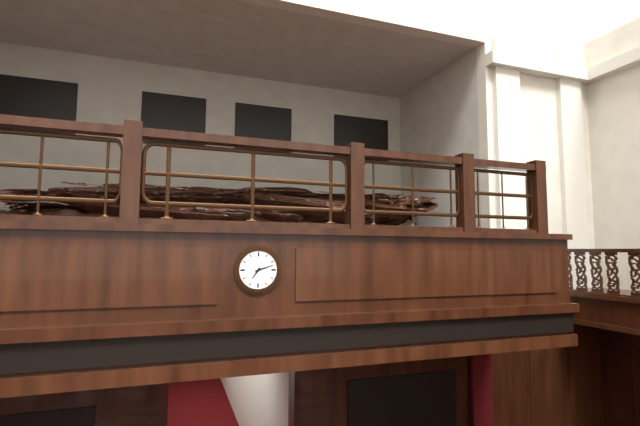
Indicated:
h=7 m=12
